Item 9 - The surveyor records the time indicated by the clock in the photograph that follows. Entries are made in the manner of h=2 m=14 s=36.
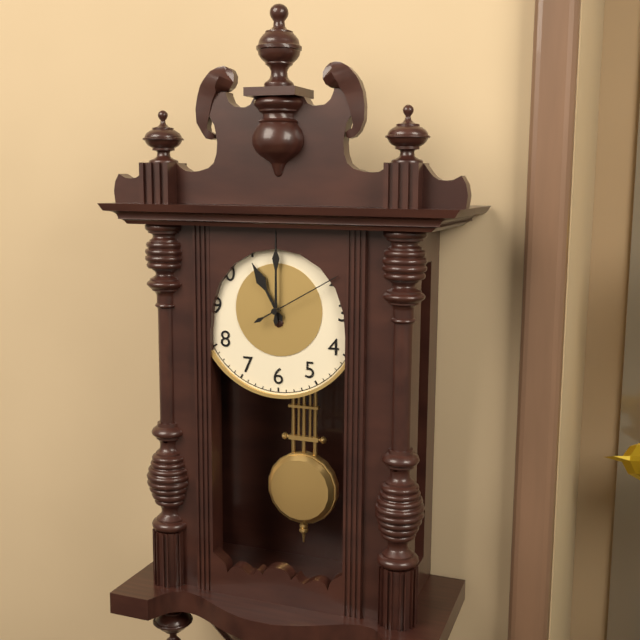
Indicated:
h=11 m=0 s=10
